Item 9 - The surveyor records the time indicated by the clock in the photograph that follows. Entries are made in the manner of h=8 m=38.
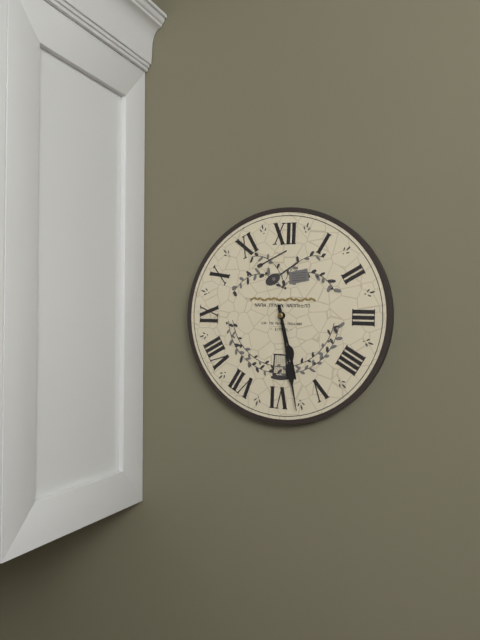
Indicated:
h=5 m=28
